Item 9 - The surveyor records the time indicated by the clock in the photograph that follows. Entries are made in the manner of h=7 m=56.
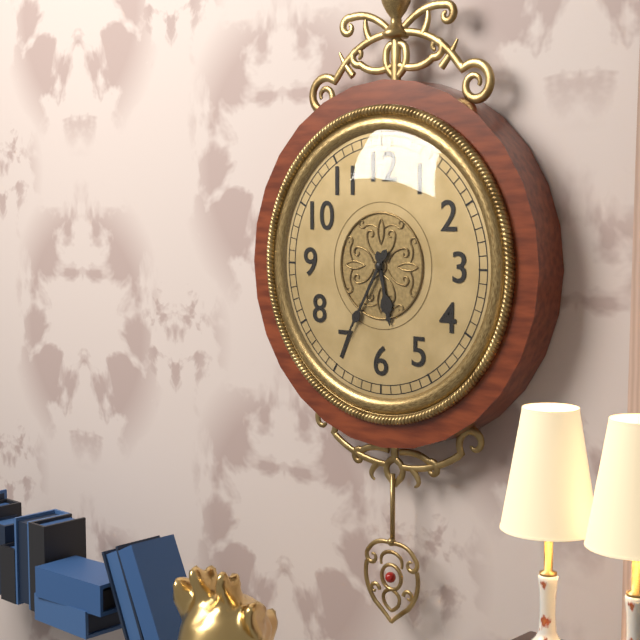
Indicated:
h=5 m=35
